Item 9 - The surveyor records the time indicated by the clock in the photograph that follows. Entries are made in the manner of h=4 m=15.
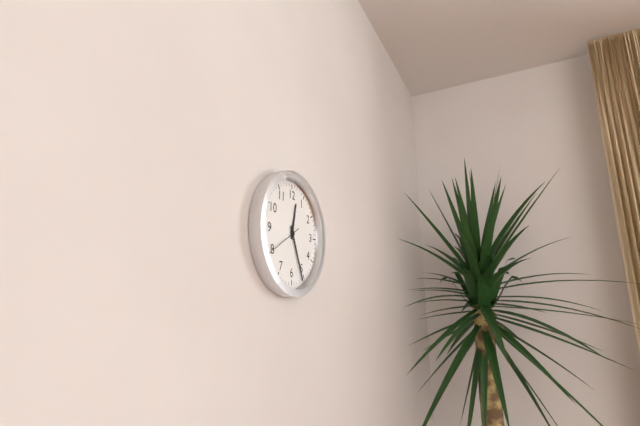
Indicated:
h=12 m=26
